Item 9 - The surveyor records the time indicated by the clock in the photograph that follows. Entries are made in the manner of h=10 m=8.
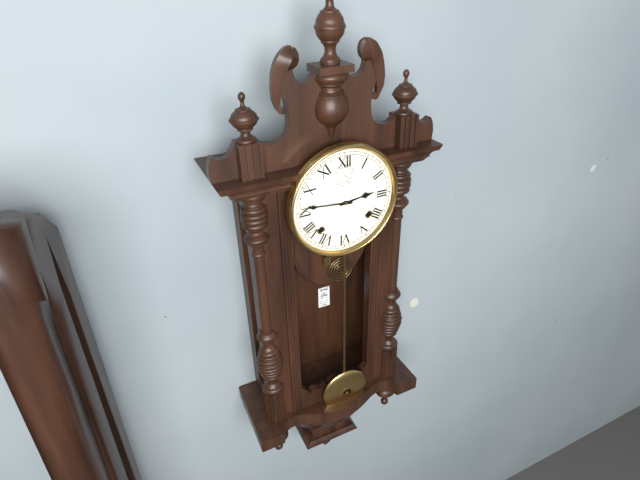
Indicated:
h=2 m=46
